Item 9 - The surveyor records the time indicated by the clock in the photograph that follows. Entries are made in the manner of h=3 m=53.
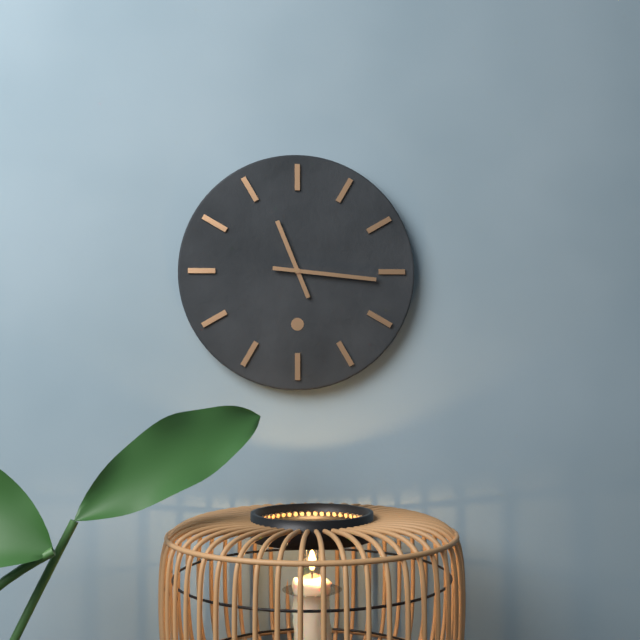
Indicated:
h=11 m=16
